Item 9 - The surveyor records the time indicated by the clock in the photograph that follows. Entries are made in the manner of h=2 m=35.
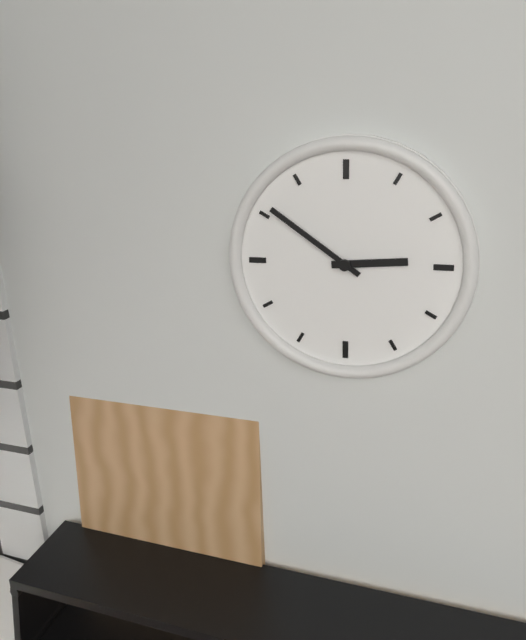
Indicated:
h=2 m=51
